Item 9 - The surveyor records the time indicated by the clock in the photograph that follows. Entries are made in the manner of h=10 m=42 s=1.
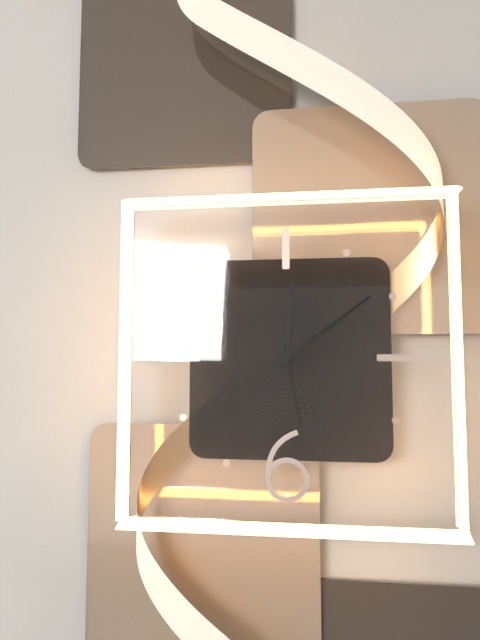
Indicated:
h=12 m=9 s=28
